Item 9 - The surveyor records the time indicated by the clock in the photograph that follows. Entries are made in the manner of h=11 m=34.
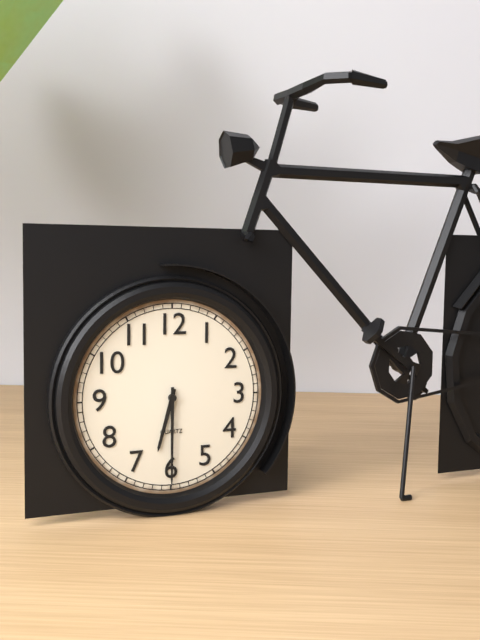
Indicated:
h=6 m=30
